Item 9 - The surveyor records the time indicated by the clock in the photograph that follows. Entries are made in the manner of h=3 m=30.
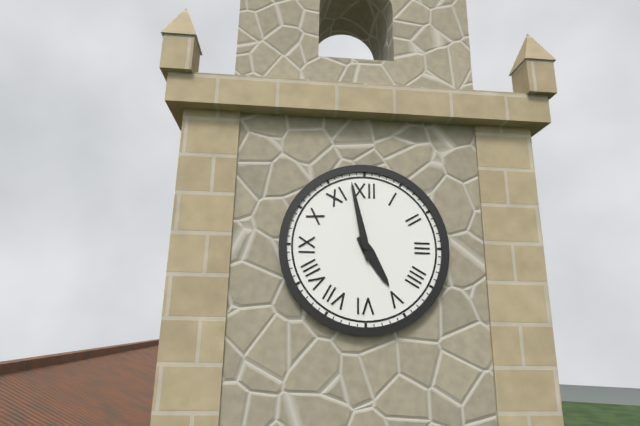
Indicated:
h=4 m=58
